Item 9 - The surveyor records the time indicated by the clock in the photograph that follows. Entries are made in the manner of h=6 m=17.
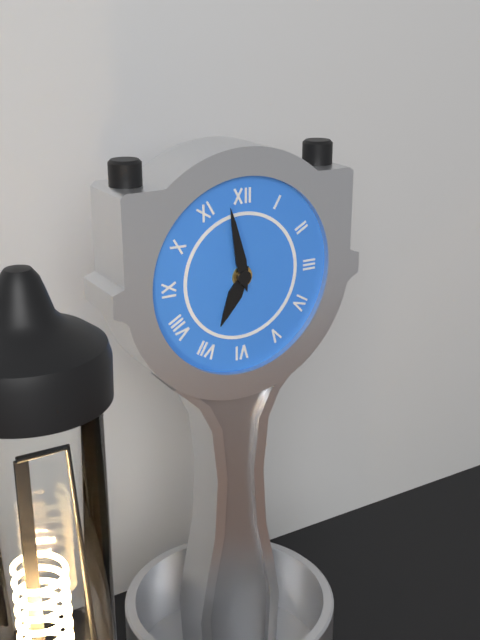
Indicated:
h=6 m=58
